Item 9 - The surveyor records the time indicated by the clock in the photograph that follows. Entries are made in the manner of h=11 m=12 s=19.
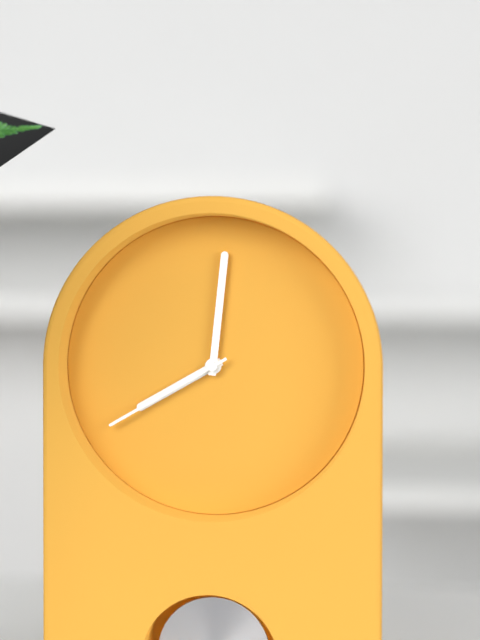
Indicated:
h=8 m=1 s=40
